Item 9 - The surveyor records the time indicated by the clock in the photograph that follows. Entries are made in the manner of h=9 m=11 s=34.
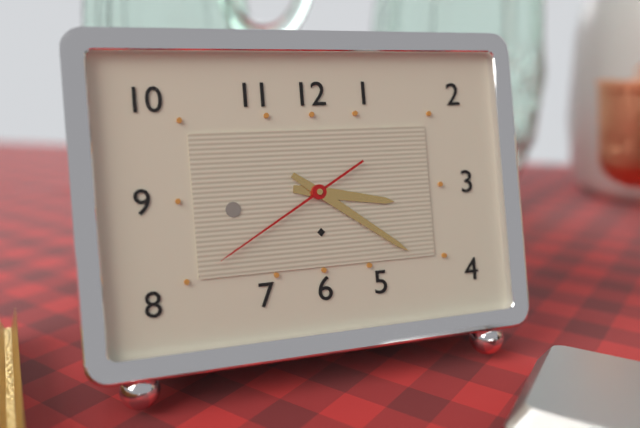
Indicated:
h=3 m=21 s=40
